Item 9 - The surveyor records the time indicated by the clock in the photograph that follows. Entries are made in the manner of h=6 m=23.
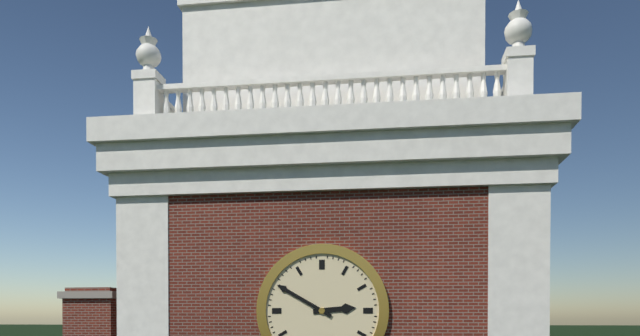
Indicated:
h=2 m=50
